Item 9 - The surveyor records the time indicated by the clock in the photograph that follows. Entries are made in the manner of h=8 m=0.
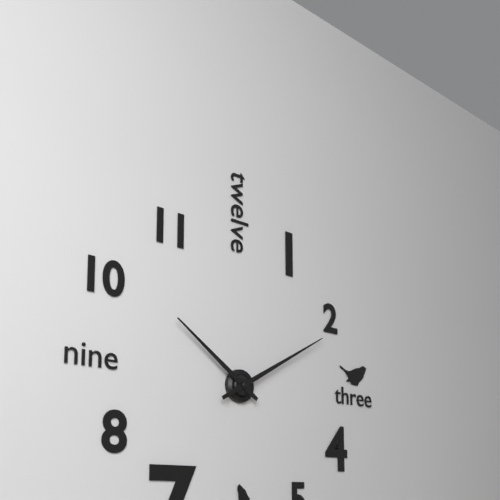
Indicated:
h=10 m=10
